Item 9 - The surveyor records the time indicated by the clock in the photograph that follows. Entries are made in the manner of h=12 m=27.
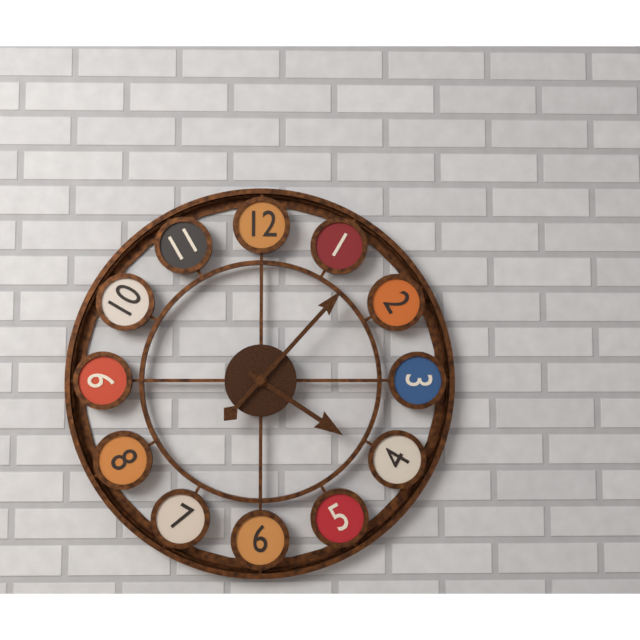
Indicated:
h=4 m=7
